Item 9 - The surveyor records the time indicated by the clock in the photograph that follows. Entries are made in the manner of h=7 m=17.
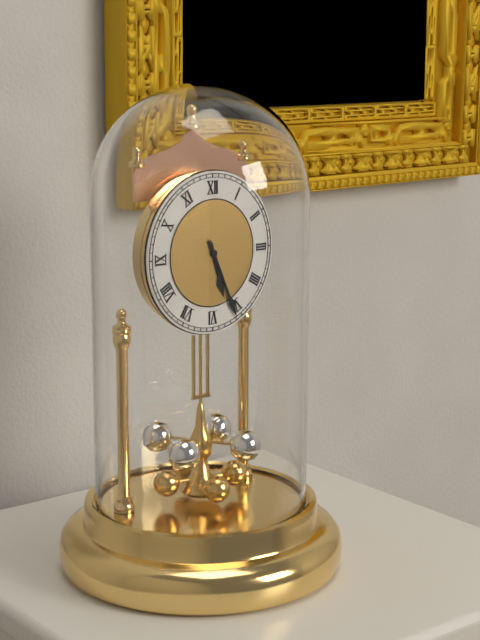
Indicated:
h=5 m=26
